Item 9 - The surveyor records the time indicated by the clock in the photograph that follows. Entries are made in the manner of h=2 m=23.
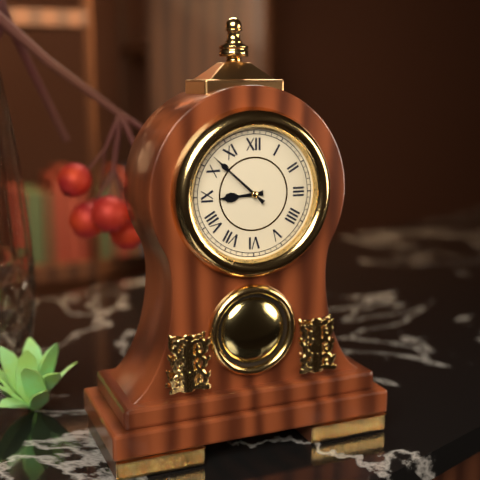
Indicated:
h=8 m=52
